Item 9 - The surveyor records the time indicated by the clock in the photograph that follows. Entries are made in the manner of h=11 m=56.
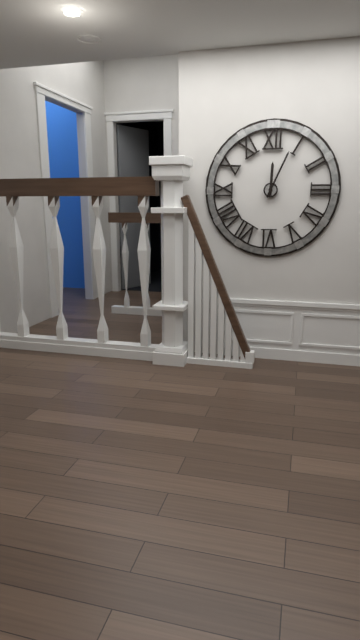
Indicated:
h=12 m=4
